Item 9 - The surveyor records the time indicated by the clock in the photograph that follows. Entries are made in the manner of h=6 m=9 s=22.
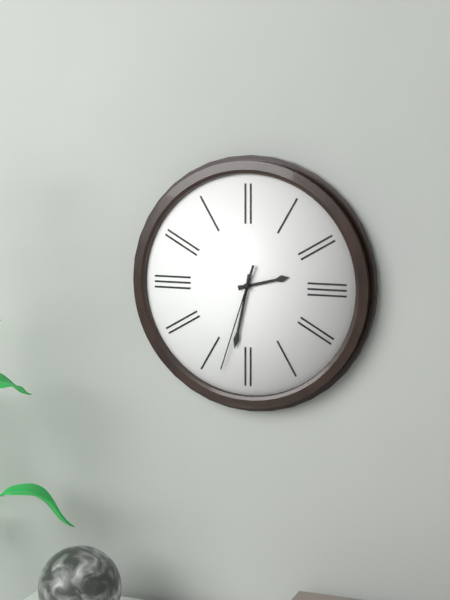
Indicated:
h=2 m=32 s=33
